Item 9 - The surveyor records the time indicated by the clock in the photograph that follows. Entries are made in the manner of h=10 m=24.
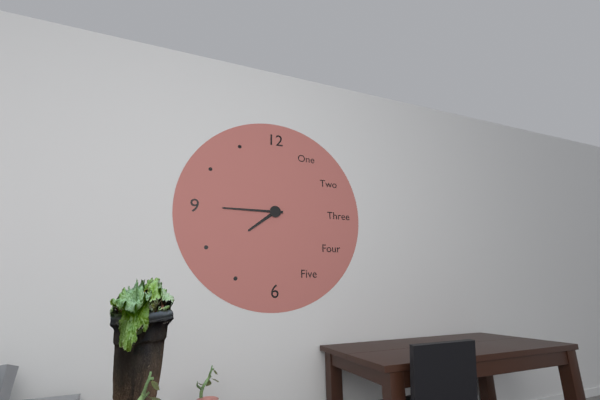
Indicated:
h=7 m=45
